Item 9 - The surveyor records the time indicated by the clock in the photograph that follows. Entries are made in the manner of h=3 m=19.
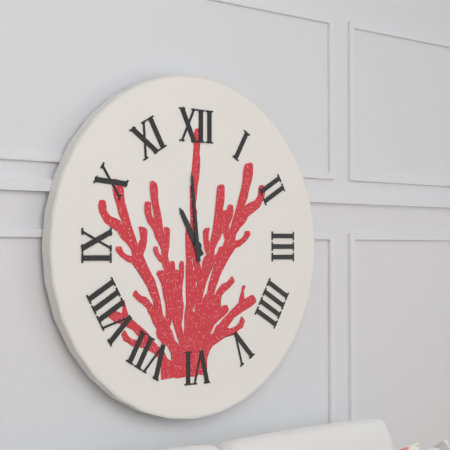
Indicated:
h=10 m=59
